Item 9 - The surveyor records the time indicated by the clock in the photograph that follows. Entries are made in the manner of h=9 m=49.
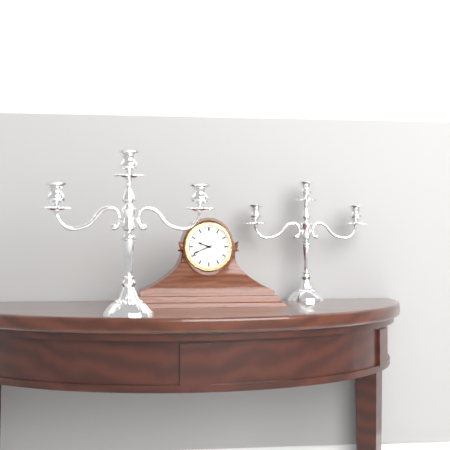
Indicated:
h=9 m=41
